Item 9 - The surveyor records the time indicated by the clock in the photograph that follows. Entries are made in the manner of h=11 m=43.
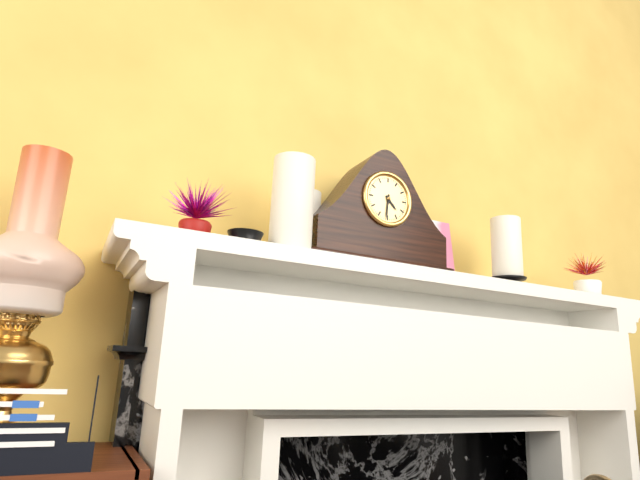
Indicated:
h=4 m=31
